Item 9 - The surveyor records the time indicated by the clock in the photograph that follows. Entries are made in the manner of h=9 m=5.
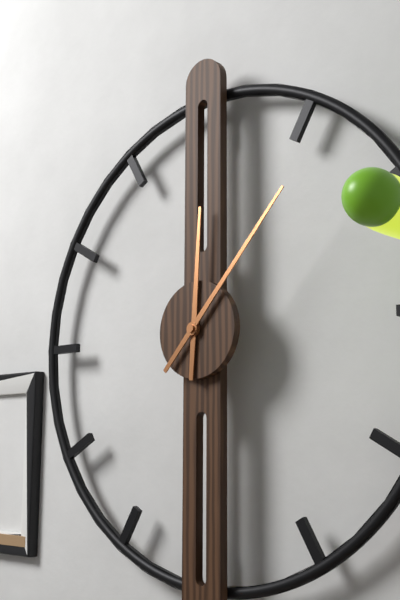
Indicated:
h=12 m=7
